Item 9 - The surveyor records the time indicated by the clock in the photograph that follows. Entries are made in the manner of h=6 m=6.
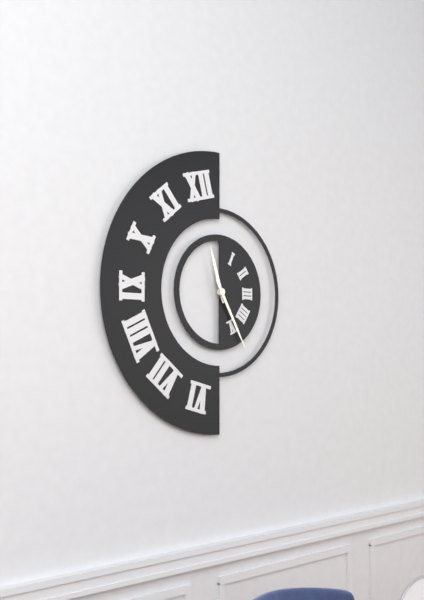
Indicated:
h=11 m=25
